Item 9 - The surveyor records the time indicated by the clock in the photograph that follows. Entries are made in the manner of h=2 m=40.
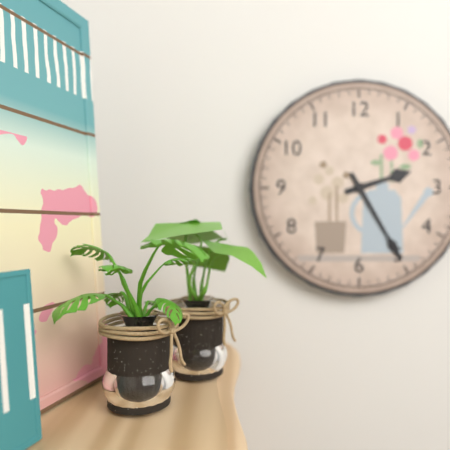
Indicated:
h=2 m=25
